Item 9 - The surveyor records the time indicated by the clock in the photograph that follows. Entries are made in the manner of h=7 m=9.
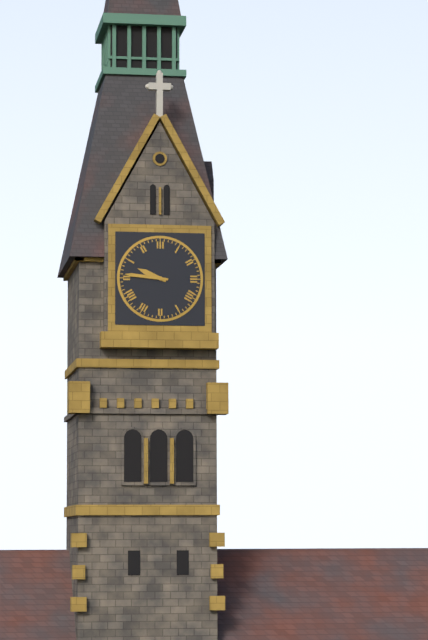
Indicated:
h=9 m=46
